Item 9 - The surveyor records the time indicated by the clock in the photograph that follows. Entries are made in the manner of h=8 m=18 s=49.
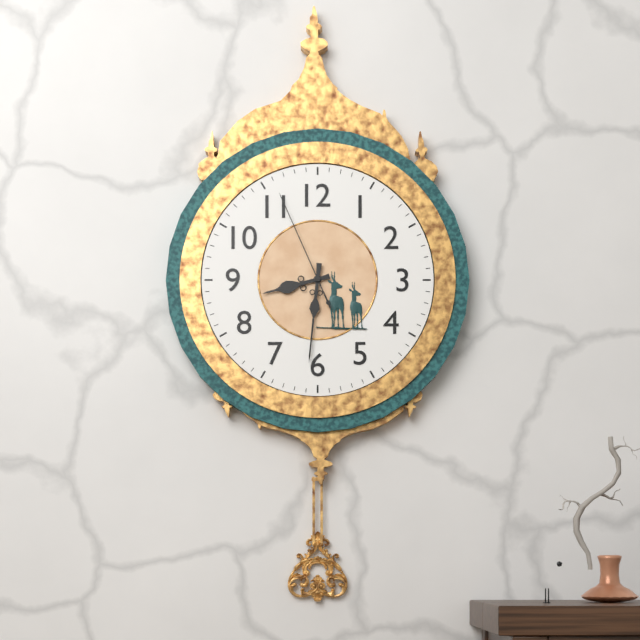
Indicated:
h=8 m=31 s=56
